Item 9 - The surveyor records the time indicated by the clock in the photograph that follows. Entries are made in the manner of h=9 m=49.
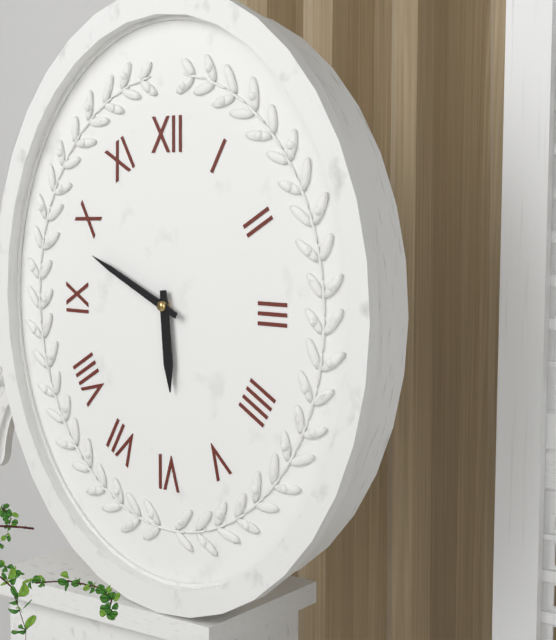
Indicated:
h=5 m=49
